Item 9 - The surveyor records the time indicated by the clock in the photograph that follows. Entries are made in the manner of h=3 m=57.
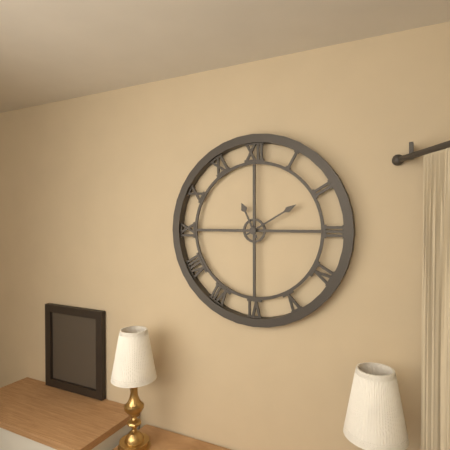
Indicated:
h=11 m=10
